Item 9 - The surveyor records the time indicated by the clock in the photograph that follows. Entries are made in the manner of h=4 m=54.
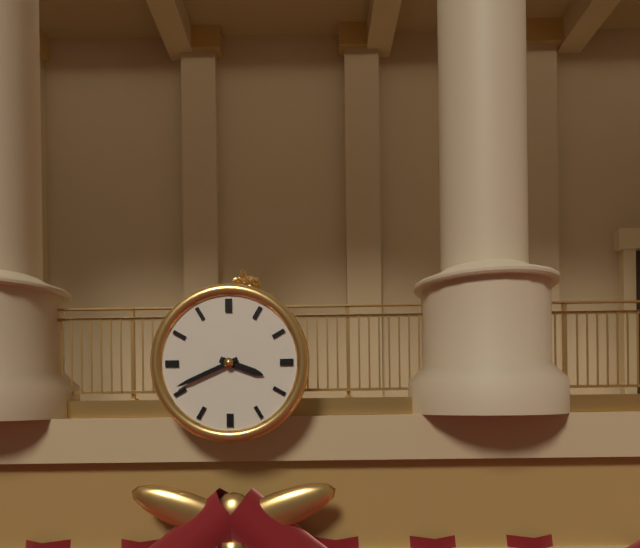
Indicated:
h=3 m=41
